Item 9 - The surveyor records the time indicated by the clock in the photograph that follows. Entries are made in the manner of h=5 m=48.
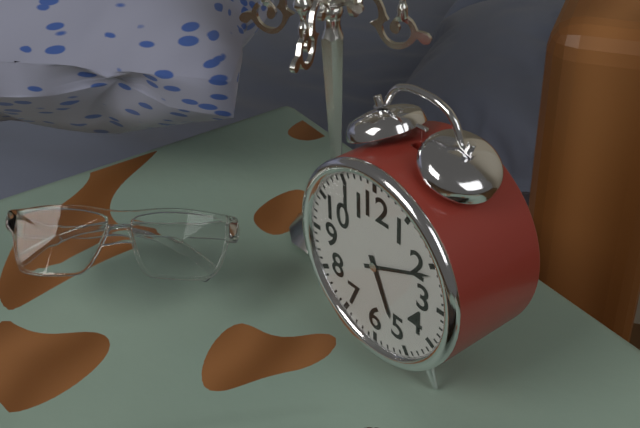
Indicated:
h=5 m=11
